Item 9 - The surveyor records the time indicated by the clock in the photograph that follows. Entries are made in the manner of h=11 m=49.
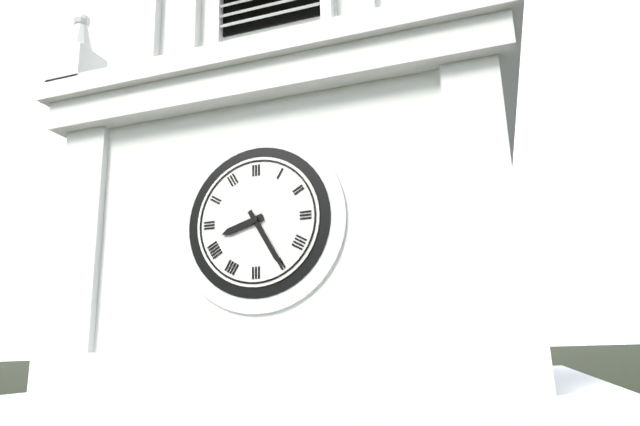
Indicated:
h=8 m=25
